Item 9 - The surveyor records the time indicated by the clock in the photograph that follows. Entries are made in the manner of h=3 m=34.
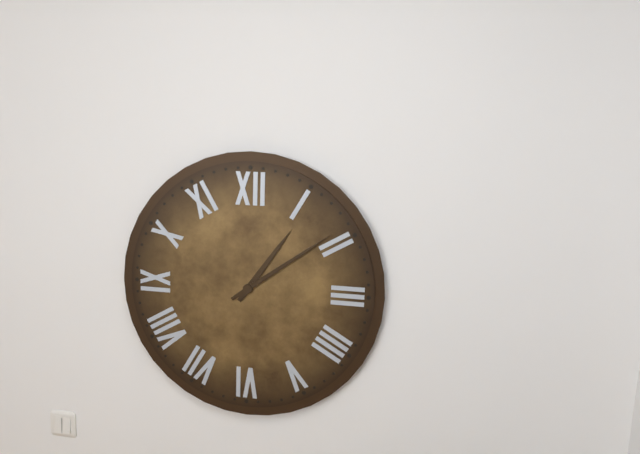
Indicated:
h=1 m=9
